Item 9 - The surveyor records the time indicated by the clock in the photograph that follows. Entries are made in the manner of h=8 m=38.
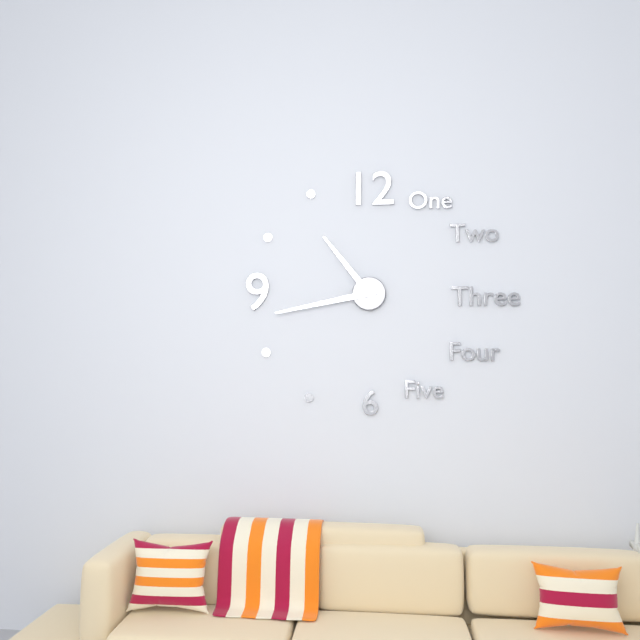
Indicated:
h=10 m=43
